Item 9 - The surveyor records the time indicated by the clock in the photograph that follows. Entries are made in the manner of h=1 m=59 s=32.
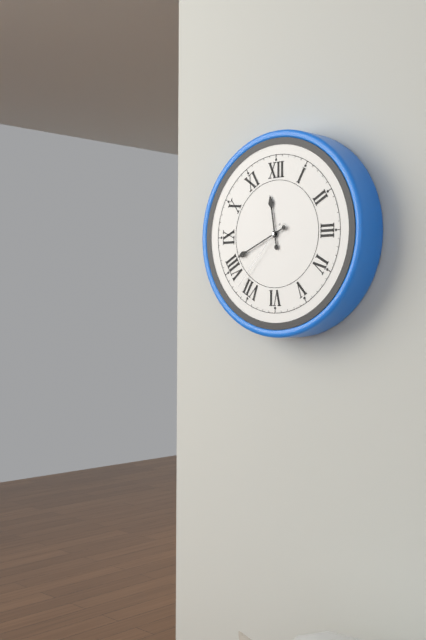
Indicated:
h=11 m=41 s=37
